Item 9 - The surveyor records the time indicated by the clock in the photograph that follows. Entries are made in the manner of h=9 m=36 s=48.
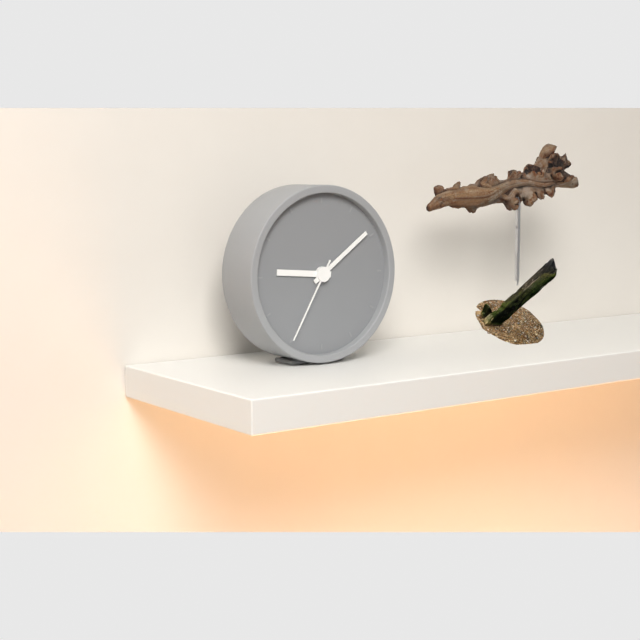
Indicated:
h=9 m=9 s=35
